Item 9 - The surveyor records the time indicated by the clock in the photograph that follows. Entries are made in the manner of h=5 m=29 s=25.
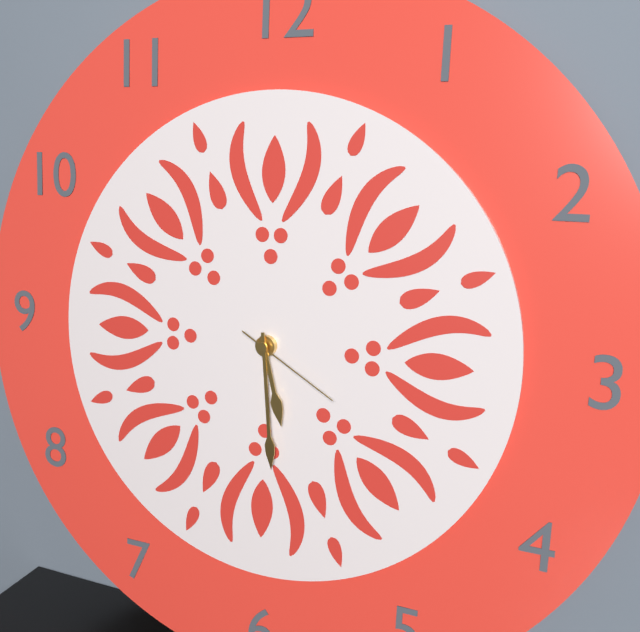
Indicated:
h=5 m=29 s=20
